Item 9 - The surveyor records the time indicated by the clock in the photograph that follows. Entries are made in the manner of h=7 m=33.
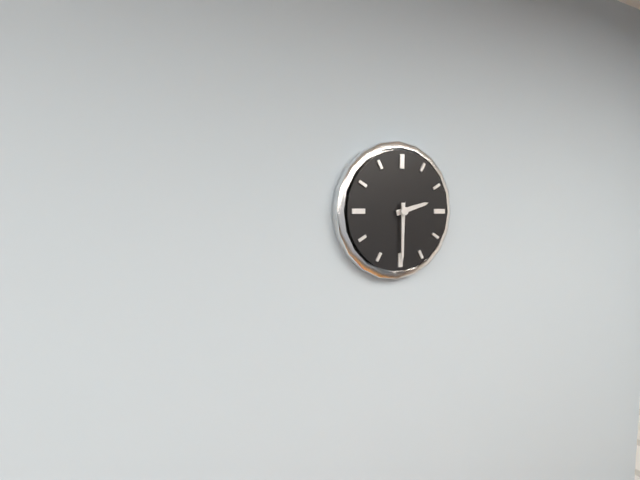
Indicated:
h=2 m=30
